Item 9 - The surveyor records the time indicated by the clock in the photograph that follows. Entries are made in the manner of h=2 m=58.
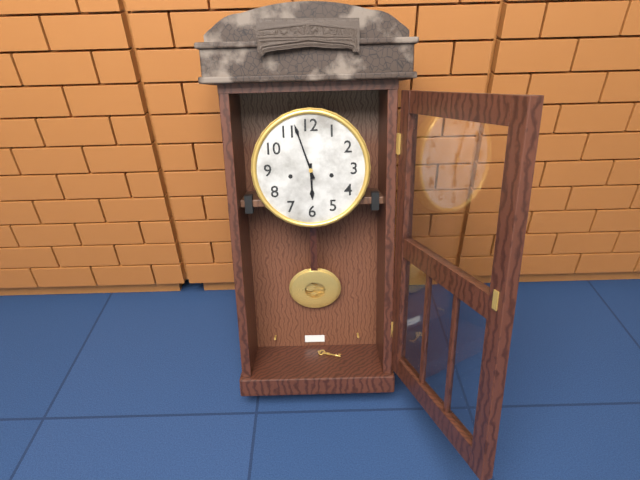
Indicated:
h=5 m=57
